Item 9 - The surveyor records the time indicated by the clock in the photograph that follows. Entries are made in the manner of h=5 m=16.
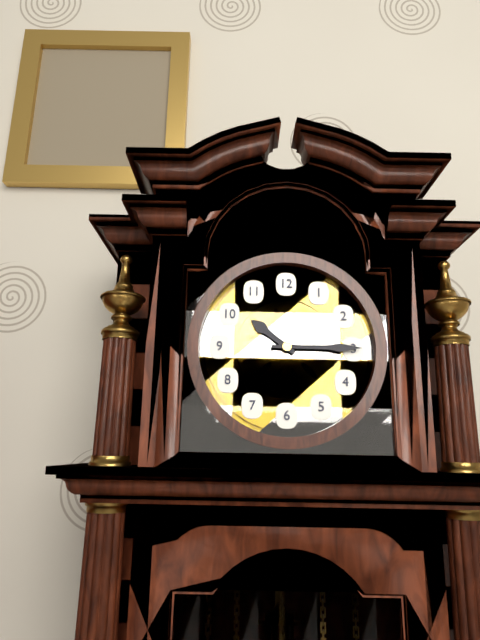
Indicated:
h=10 m=15
